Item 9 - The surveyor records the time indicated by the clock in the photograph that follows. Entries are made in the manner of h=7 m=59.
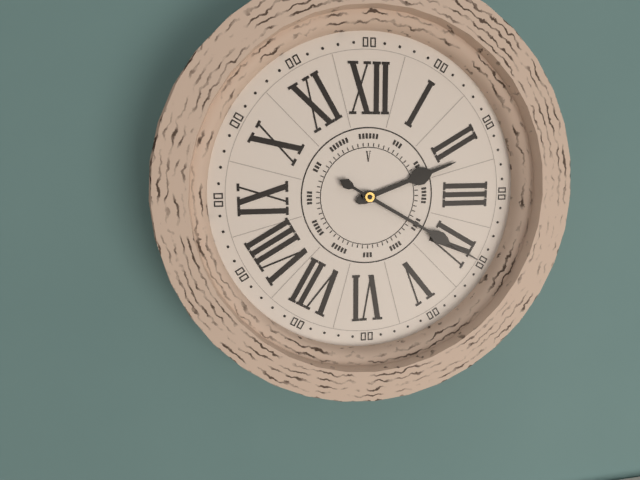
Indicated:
h=2 m=20
